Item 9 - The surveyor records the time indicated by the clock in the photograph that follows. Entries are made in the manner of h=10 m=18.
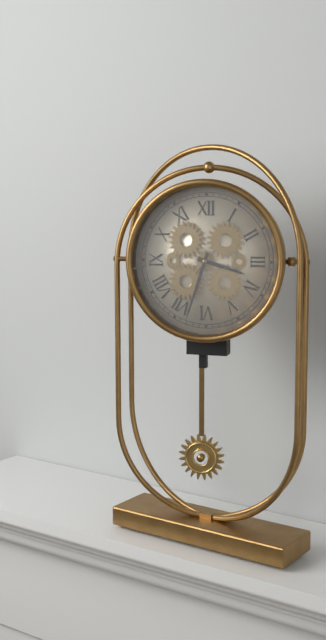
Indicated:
h=3 m=33
